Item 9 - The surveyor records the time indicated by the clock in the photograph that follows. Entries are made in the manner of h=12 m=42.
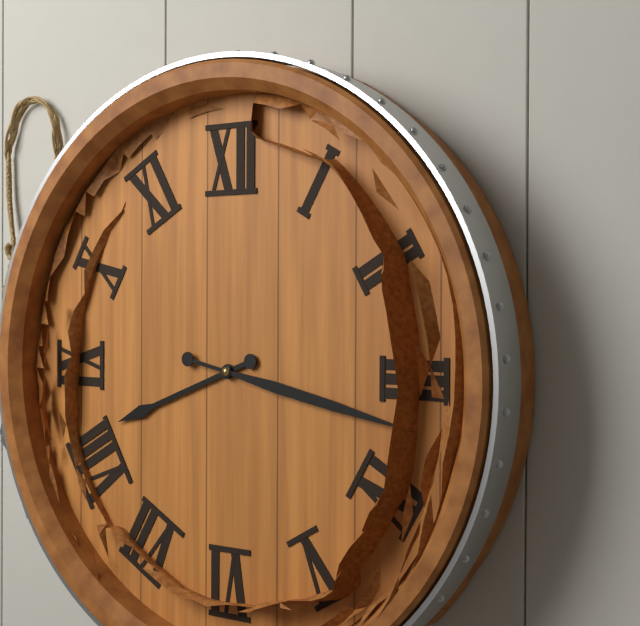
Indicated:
h=8 m=17
